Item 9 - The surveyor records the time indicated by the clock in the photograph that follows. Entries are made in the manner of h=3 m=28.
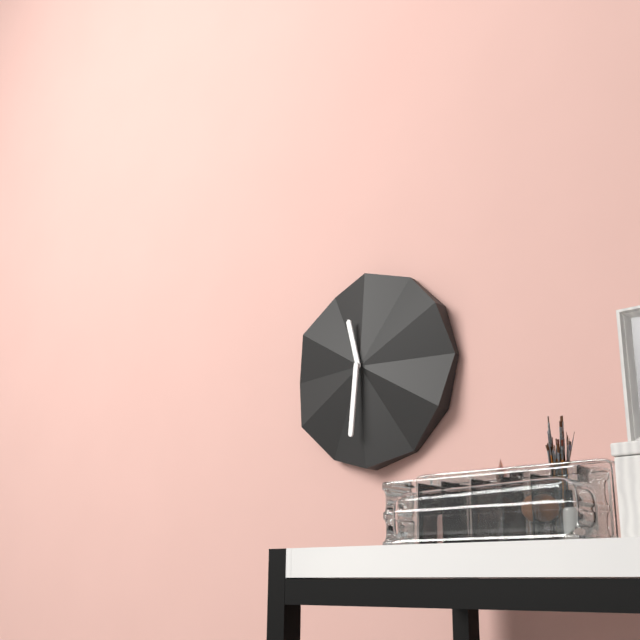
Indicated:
h=11 m=31
